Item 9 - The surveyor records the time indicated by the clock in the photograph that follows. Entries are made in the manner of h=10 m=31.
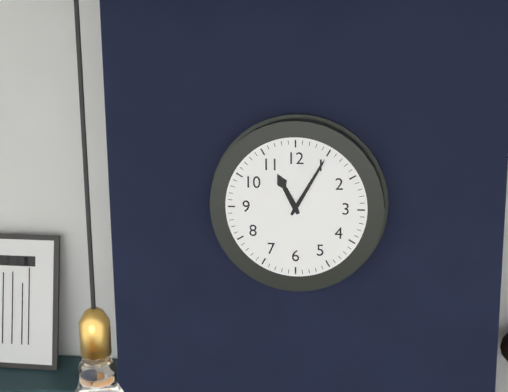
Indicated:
h=11 m=5
